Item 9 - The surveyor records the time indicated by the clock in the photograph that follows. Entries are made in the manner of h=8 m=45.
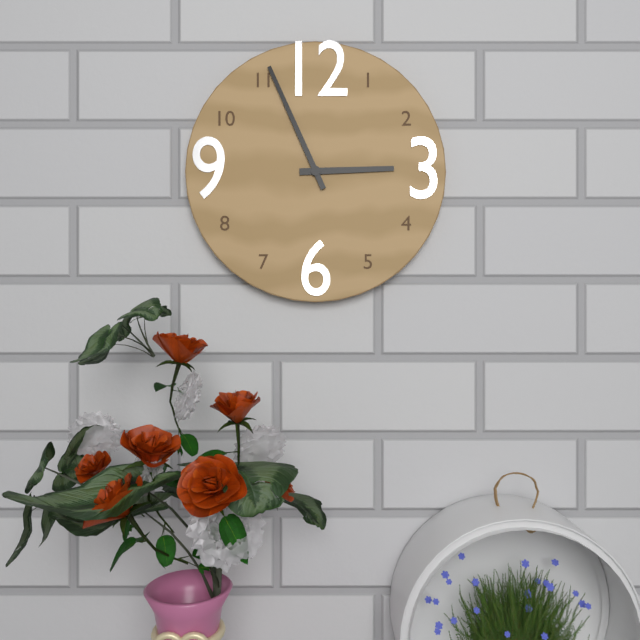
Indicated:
h=2 m=56
